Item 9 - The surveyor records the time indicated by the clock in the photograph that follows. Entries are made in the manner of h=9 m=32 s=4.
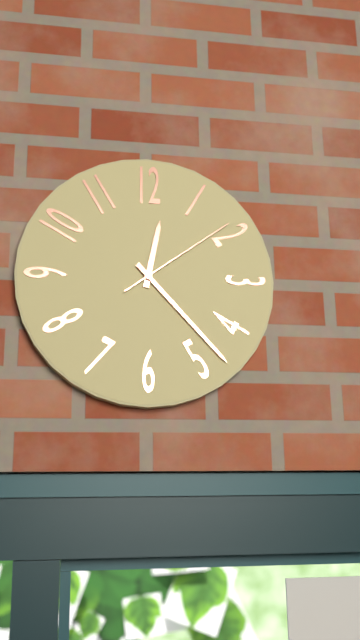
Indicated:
h=12 m=23 s=9
